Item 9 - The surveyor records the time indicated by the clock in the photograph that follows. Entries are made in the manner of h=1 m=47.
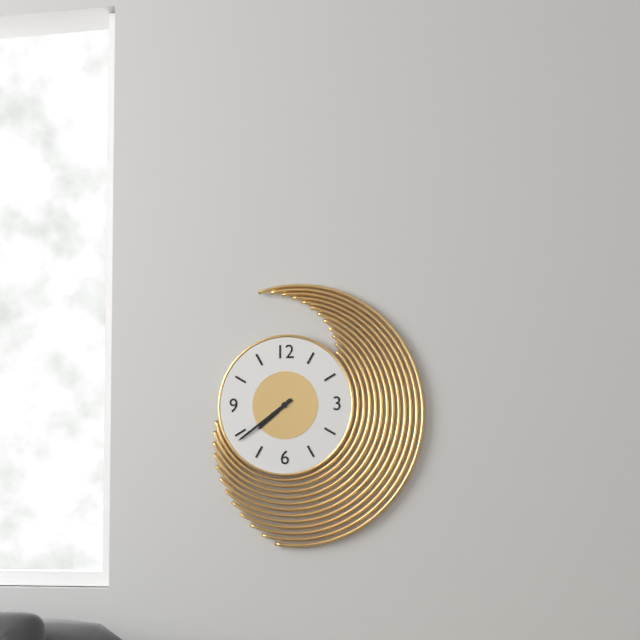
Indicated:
h=7 m=39
